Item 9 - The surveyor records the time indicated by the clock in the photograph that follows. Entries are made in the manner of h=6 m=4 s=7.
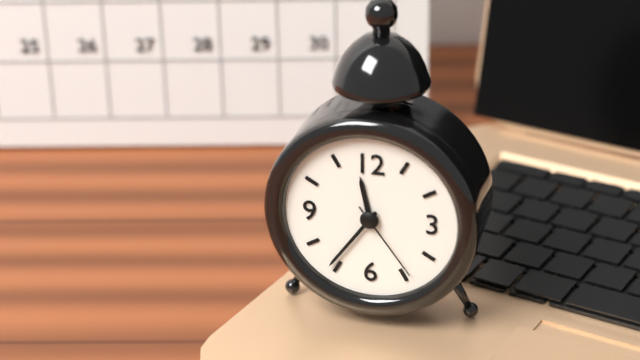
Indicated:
h=11 m=36 s=24
